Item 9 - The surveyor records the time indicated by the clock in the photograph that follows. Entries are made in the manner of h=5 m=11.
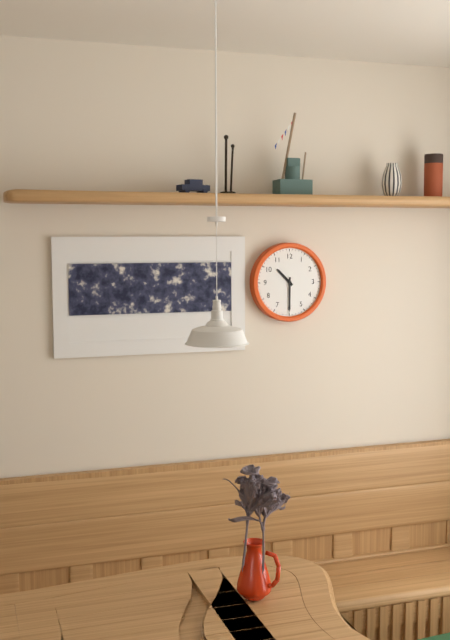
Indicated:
h=10 m=30
